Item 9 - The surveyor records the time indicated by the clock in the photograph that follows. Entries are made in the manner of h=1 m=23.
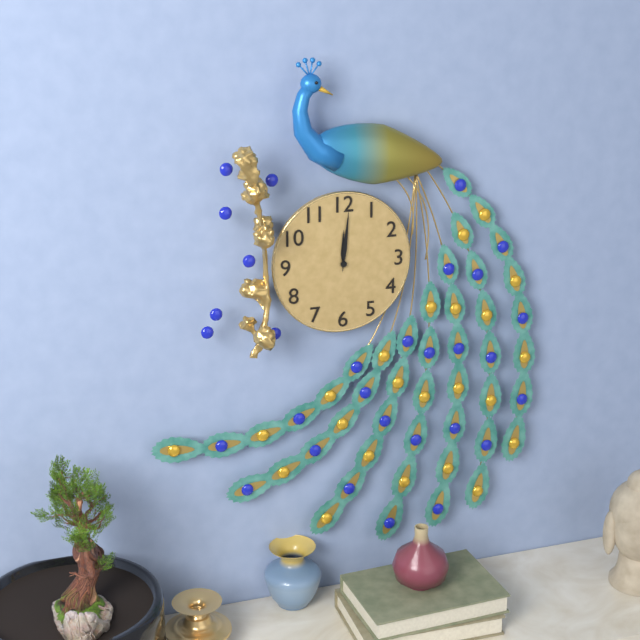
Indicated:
h=12 m=1
